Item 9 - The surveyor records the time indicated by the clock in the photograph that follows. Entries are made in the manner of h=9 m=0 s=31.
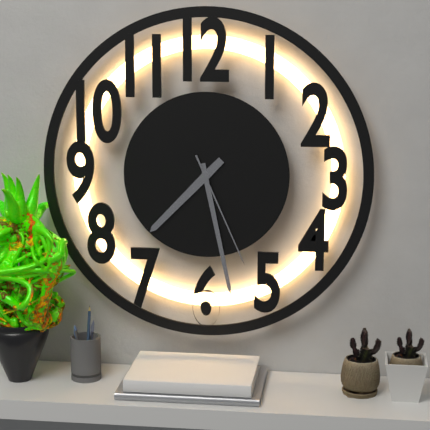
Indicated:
h=7 m=28 s=26
